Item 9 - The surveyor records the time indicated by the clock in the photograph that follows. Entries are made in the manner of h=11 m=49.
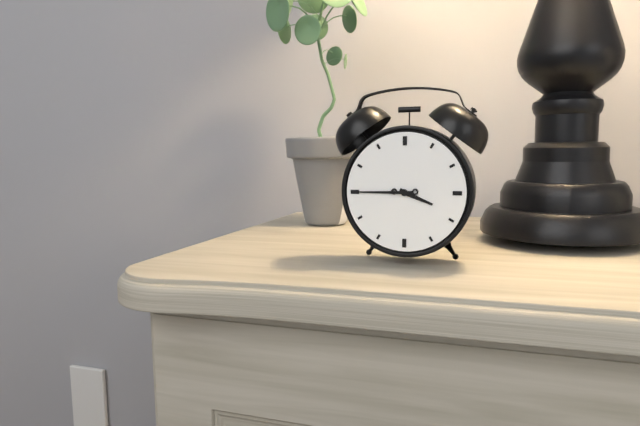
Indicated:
h=3 m=45
